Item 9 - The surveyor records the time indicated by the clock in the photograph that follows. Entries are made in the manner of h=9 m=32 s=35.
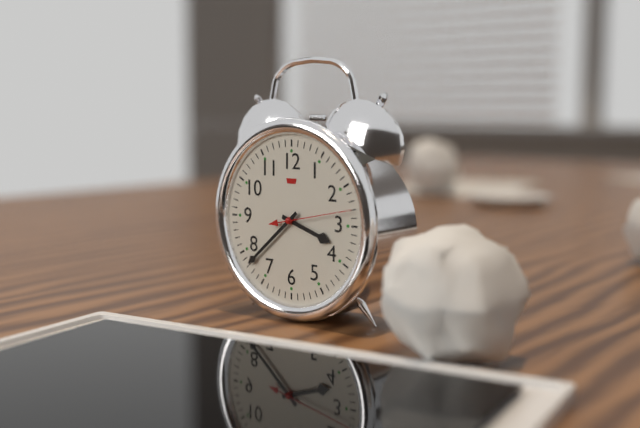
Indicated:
h=3 m=38 s=13
